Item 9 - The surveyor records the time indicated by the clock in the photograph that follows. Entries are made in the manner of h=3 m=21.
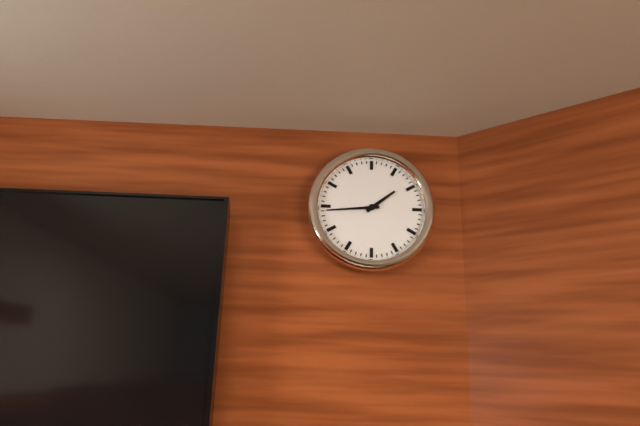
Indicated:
h=1 m=44
